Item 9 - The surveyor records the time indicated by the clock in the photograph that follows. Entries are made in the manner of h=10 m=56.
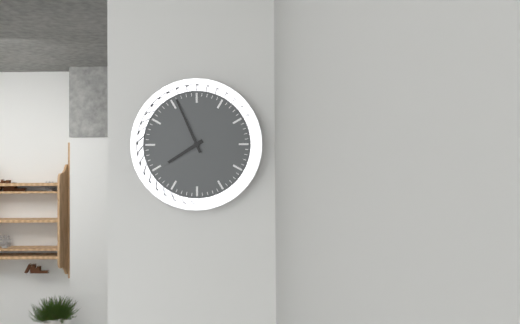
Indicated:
h=7 m=56
